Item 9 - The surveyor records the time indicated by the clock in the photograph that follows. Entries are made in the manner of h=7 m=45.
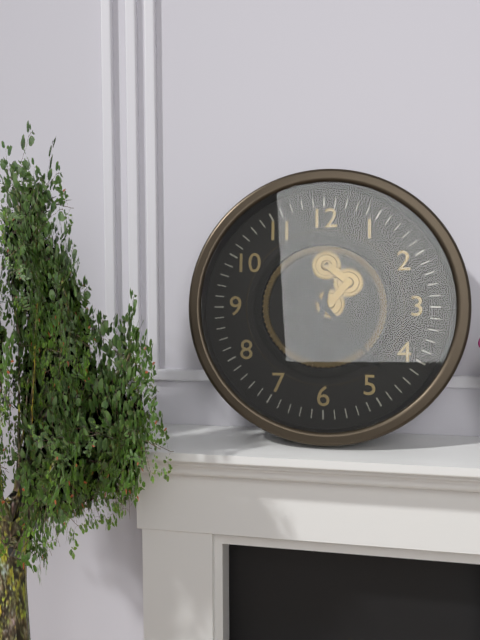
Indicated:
h=6 m=23
